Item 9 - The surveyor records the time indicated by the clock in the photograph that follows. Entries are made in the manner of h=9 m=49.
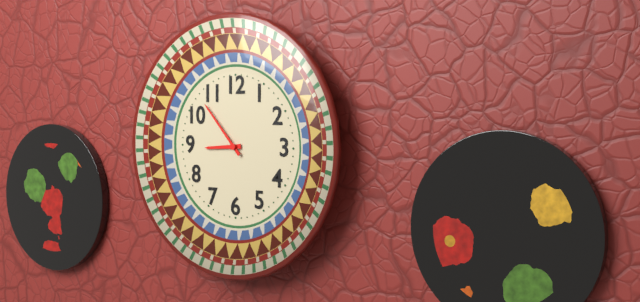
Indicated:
h=8 m=53
